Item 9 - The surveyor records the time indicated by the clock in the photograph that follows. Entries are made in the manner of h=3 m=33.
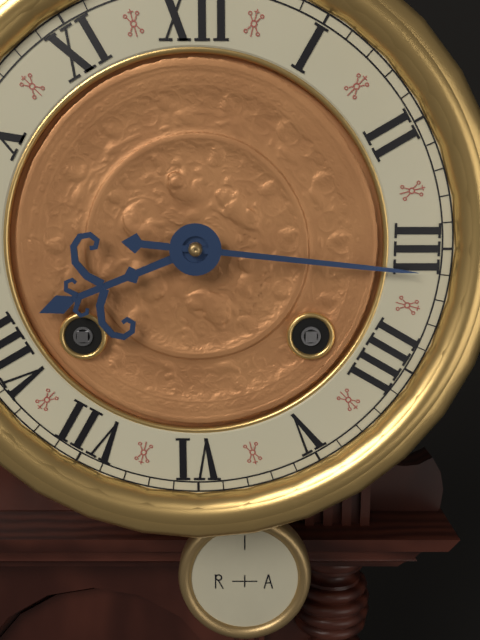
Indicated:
h=8 m=16
